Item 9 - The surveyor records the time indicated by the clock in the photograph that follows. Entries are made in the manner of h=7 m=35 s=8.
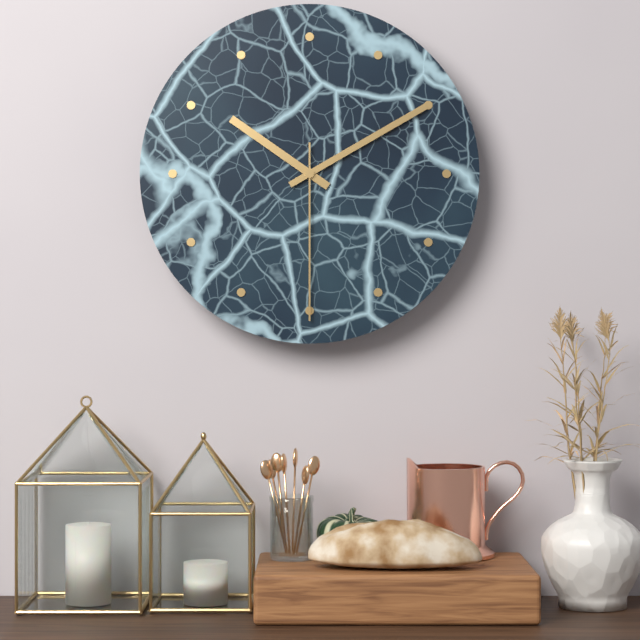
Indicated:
h=10 m=10 s=30
